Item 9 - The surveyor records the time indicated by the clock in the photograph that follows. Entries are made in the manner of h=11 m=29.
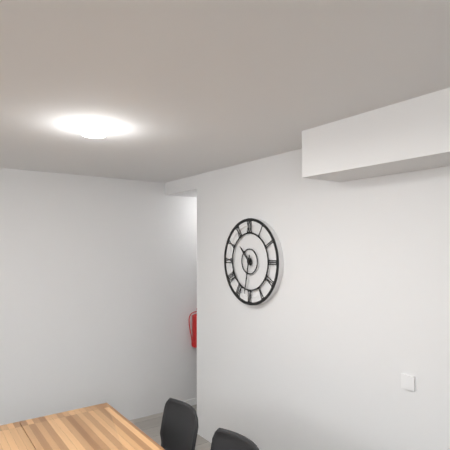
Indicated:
h=10 m=32
